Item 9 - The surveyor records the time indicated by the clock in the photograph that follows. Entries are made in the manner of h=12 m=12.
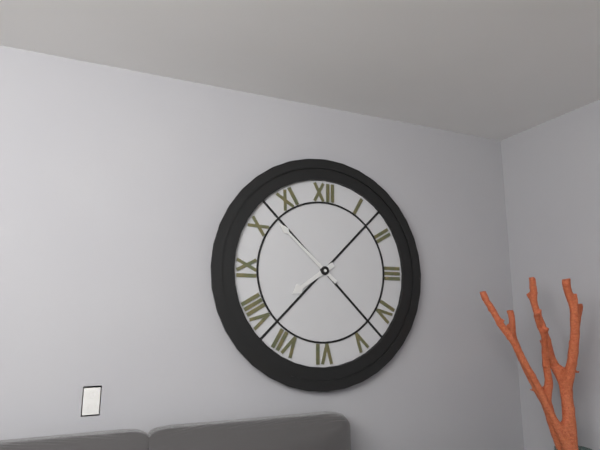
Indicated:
h=7 m=52
